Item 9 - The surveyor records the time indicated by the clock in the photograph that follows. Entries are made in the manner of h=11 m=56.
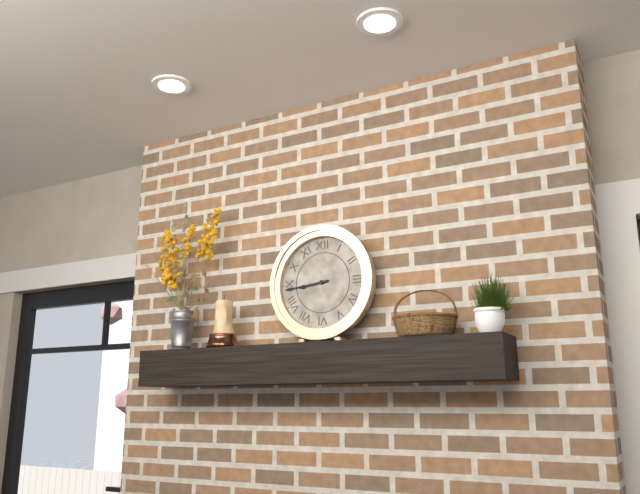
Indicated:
h=8 m=44
